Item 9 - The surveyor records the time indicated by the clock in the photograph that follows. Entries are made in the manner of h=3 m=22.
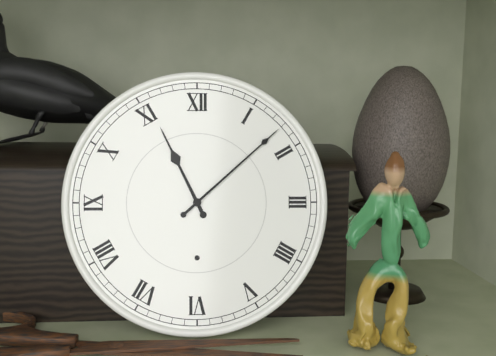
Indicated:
h=11 m=8
